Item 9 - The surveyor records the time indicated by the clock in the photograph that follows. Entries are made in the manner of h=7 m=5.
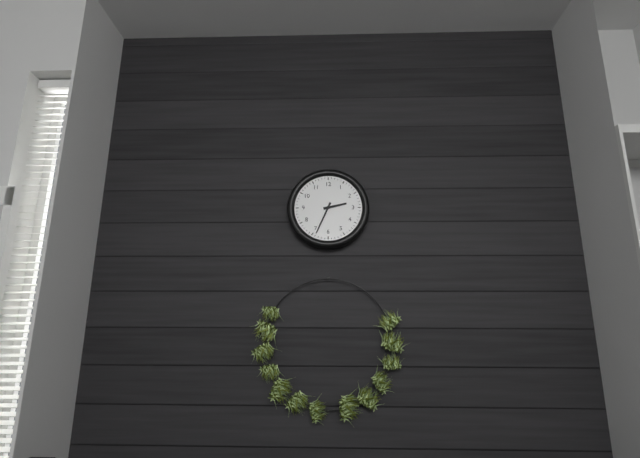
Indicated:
h=2 m=34
